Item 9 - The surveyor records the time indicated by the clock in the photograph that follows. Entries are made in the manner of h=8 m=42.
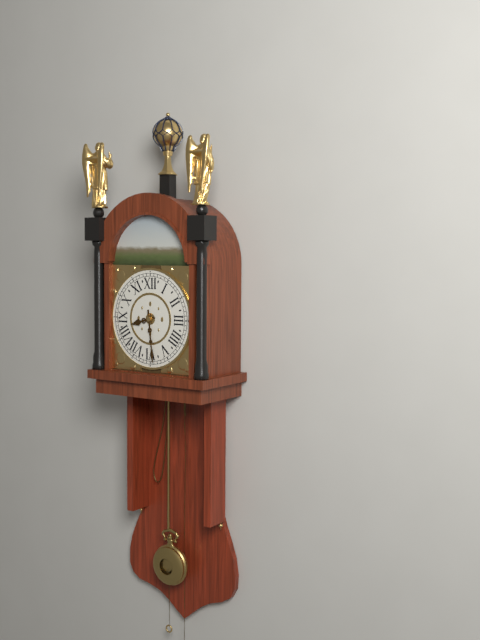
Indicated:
h=8 m=29
